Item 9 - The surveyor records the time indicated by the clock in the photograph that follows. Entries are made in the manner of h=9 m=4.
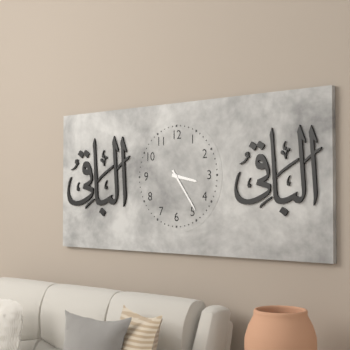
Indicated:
h=3 m=24
